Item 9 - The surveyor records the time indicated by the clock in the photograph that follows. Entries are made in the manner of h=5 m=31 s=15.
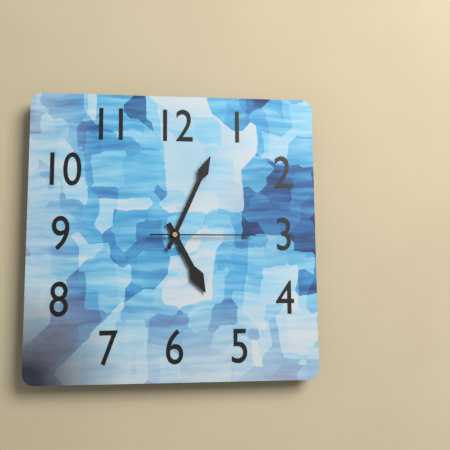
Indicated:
h=5 m=4 s=15
